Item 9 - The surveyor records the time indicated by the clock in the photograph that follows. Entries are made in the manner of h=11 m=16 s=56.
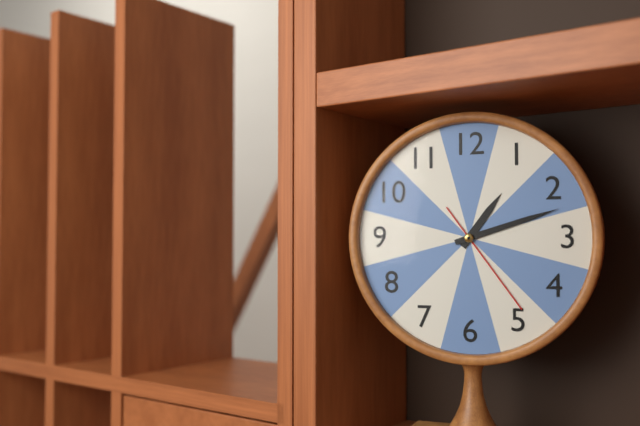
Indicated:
h=1 m=12 s=24
